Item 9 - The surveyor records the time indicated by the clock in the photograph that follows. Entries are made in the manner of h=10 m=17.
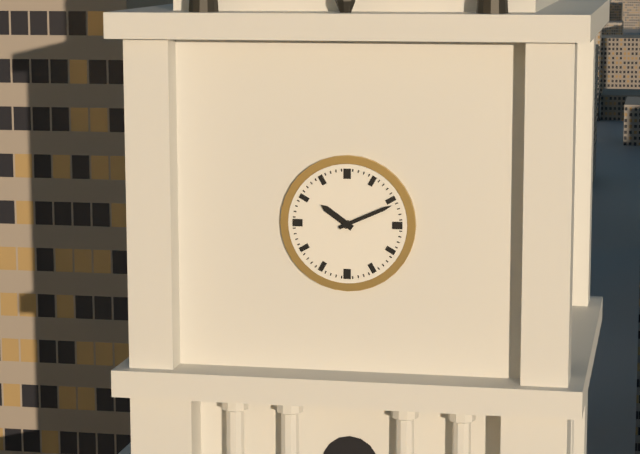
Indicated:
h=10 m=11
